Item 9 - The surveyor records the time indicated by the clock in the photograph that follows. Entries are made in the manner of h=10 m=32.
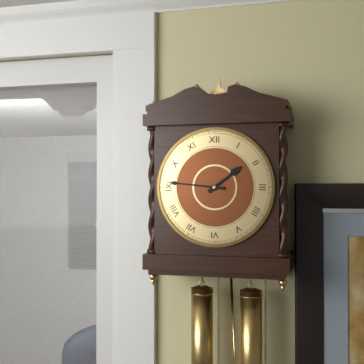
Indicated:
h=1 m=46
